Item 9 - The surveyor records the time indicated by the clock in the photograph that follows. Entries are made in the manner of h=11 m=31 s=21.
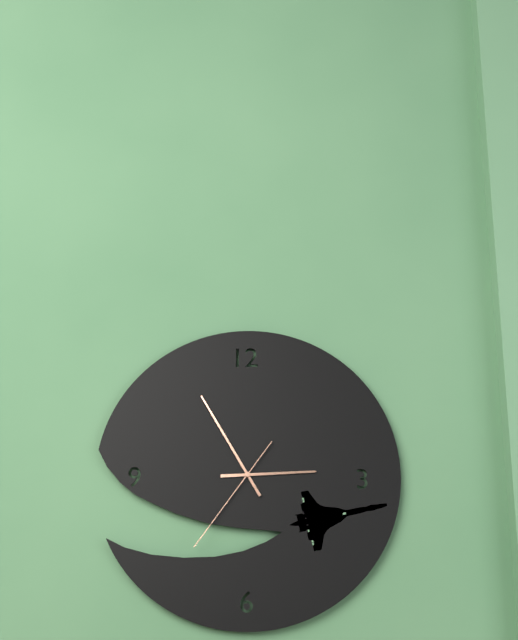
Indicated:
h=2 m=55 s=36
